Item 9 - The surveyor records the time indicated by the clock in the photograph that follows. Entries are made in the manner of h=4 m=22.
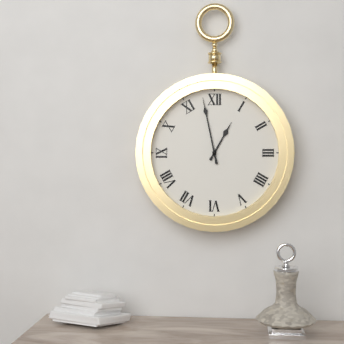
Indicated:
h=12 m=58
